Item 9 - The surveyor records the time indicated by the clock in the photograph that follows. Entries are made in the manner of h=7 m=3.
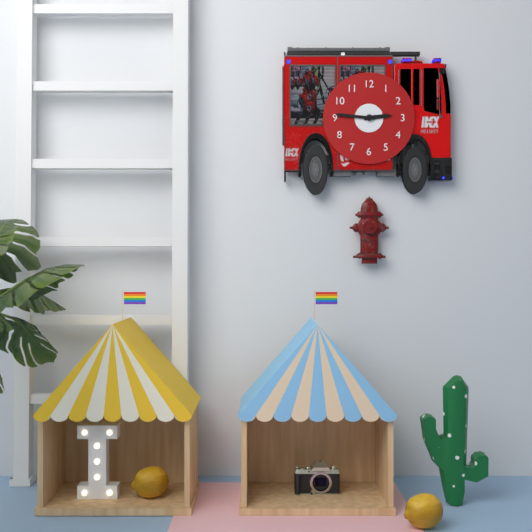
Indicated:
h=2 m=46
